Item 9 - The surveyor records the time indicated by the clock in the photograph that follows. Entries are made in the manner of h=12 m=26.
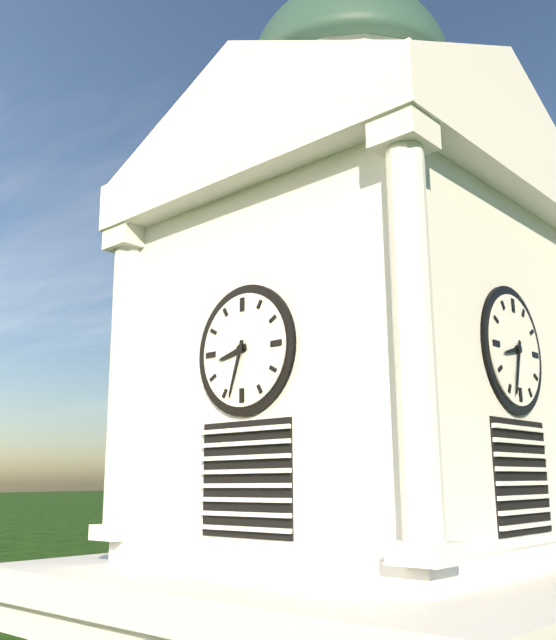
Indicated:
h=8 m=33
